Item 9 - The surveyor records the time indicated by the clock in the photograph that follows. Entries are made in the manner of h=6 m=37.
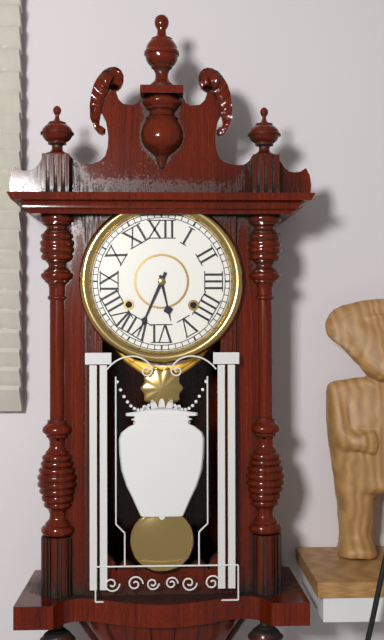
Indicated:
h=5 m=34
